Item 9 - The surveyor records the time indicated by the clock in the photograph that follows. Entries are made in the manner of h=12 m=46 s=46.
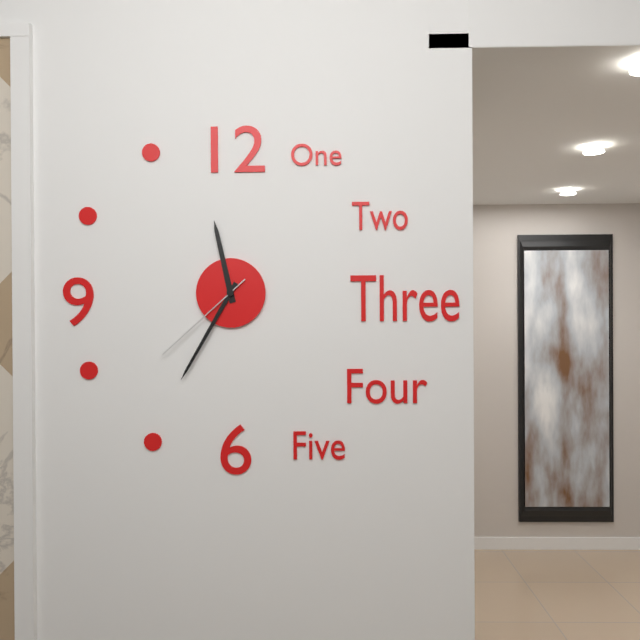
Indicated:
h=11 m=35 s=38
